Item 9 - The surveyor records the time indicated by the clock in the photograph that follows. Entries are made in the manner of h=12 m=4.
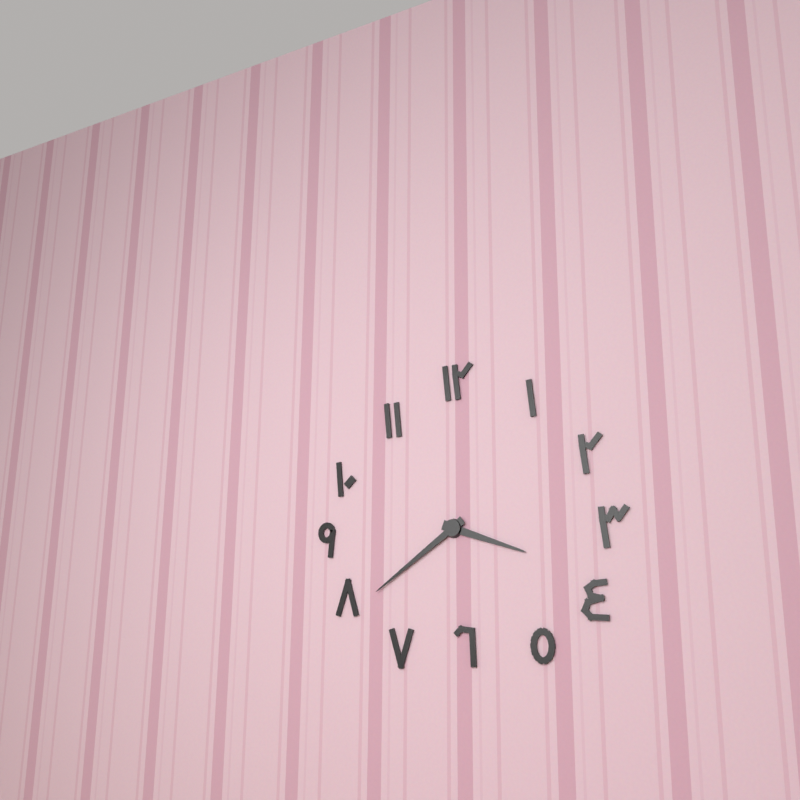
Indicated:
h=3 m=39
